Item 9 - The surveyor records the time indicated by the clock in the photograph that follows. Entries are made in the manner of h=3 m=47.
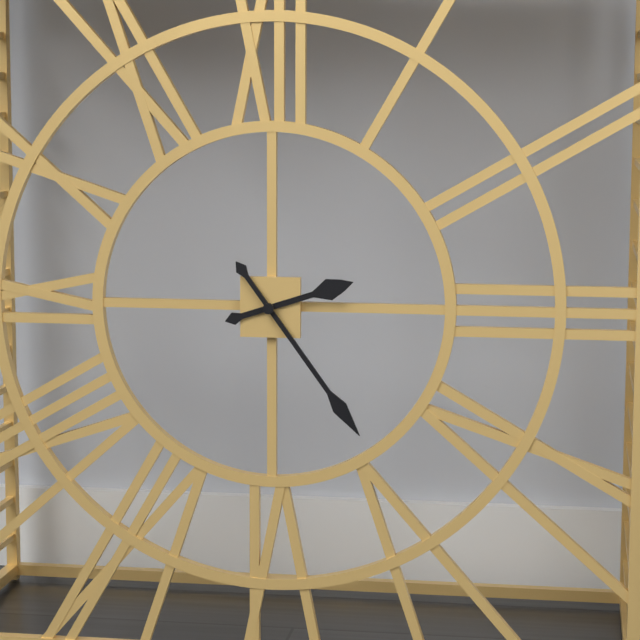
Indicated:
h=2 m=24
